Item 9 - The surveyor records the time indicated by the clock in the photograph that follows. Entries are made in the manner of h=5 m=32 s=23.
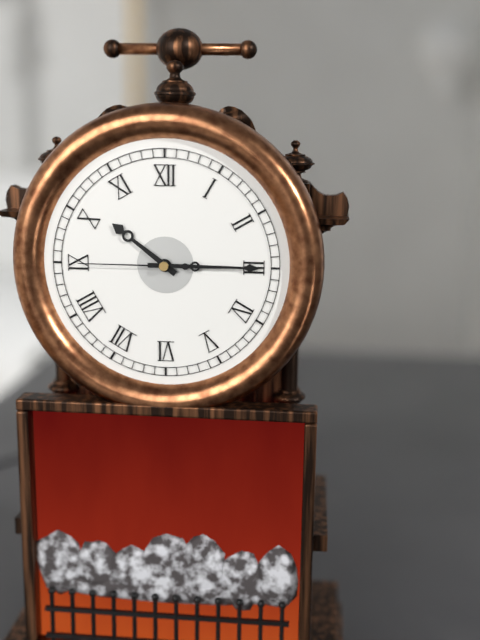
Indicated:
h=10 m=15 s=45
